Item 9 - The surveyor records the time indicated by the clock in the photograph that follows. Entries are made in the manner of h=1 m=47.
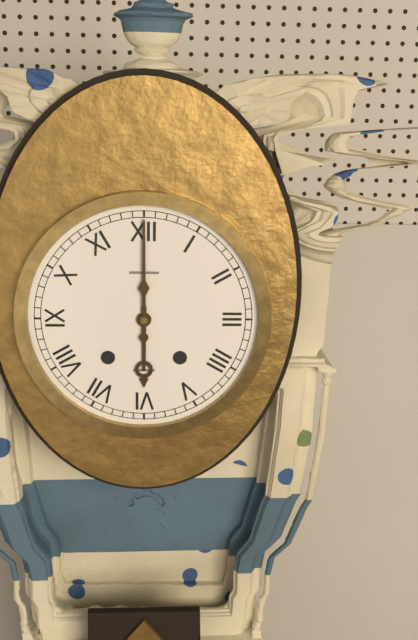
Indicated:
h=6 m=0
